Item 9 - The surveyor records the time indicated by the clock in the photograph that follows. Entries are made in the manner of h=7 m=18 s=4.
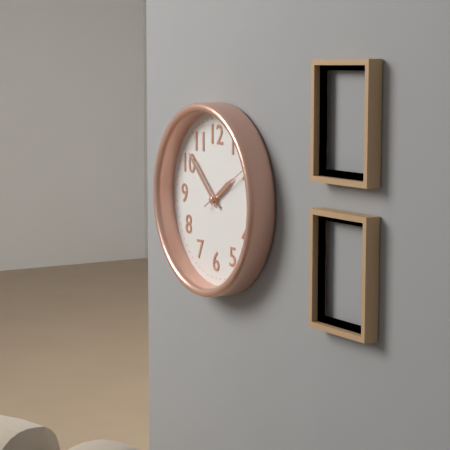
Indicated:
h=1 m=52 s=10
